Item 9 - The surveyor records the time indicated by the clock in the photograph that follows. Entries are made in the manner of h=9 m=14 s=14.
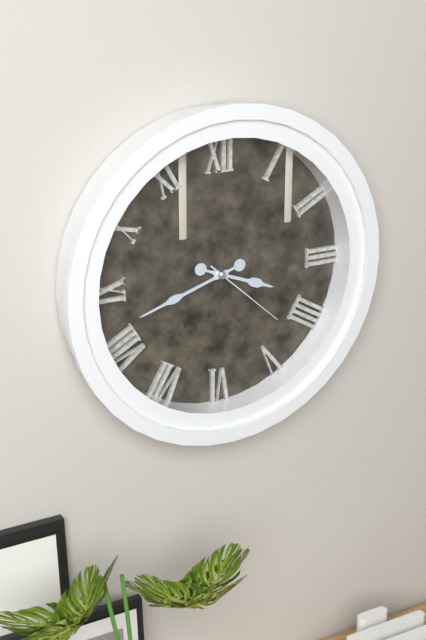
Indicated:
h=3 m=42 s=22
